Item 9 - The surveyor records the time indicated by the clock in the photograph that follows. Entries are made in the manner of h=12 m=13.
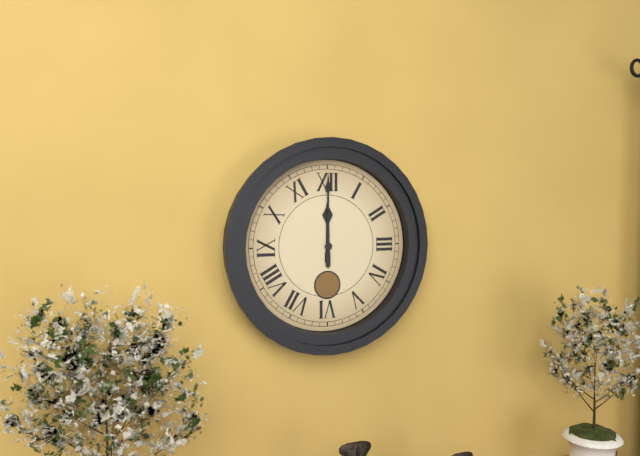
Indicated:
h=12 m=0
